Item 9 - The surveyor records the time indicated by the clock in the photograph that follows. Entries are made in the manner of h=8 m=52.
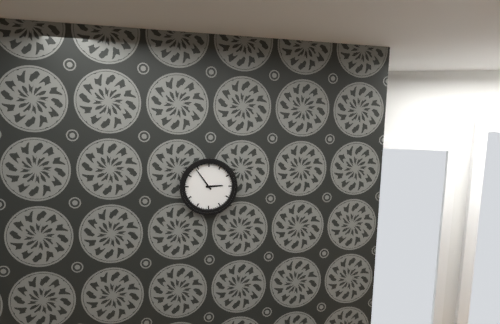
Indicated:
h=2 m=54
